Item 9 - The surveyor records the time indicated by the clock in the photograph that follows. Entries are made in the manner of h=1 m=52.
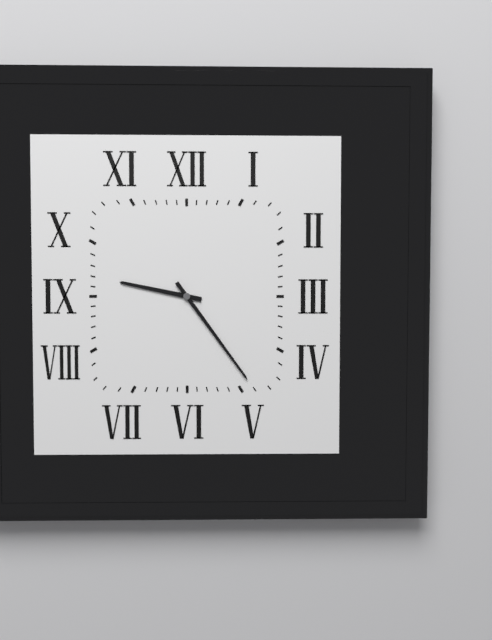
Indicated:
h=9 m=24
